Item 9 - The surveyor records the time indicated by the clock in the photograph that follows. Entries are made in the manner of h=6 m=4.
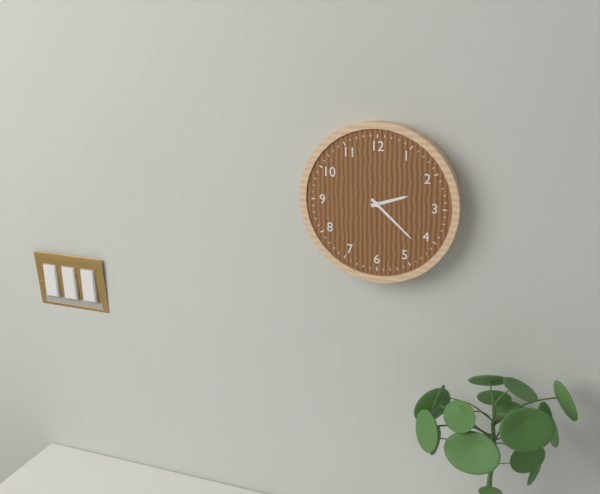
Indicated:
h=2 m=22
